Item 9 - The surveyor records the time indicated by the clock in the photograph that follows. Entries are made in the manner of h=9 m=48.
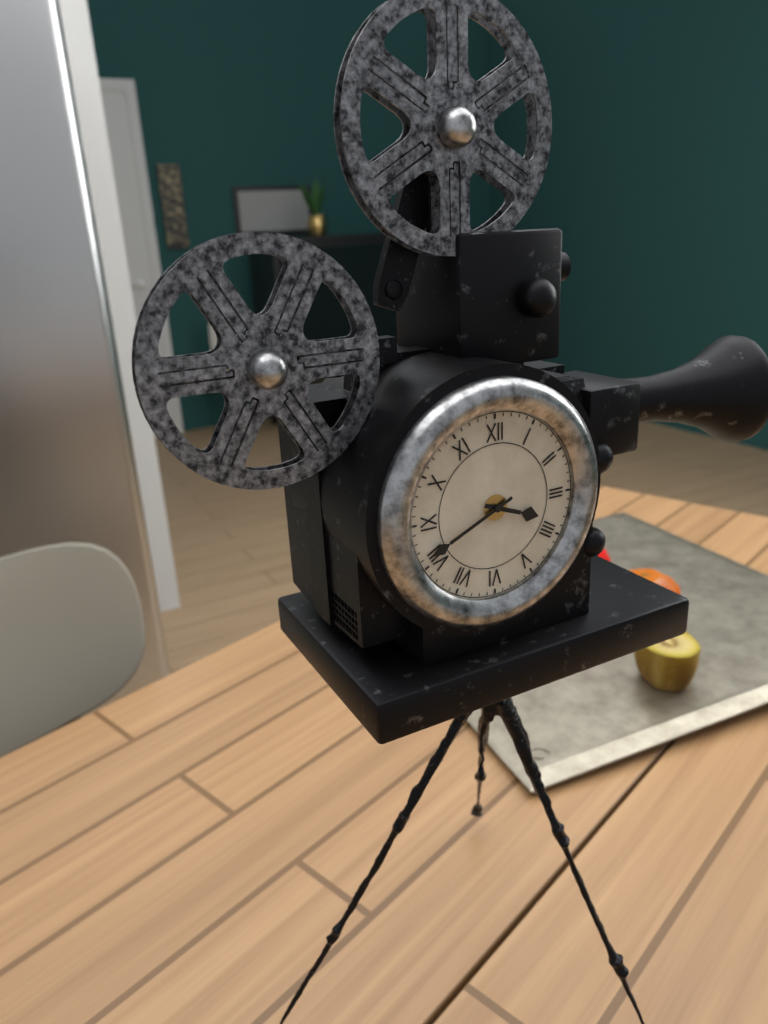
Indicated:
h=3 m=41
